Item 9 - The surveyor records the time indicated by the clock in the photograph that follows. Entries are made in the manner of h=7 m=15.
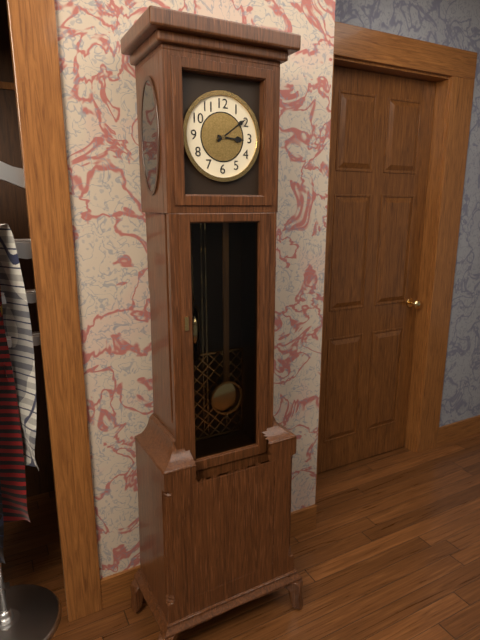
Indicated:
h=3 m=9
